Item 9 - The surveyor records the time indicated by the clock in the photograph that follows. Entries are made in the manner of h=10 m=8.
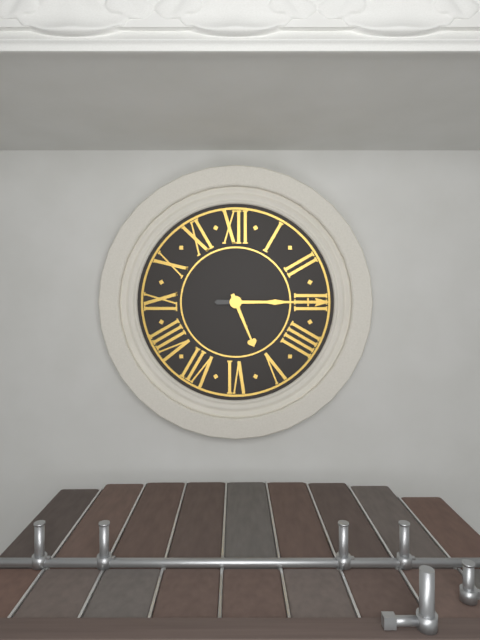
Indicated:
h=5 m=15
